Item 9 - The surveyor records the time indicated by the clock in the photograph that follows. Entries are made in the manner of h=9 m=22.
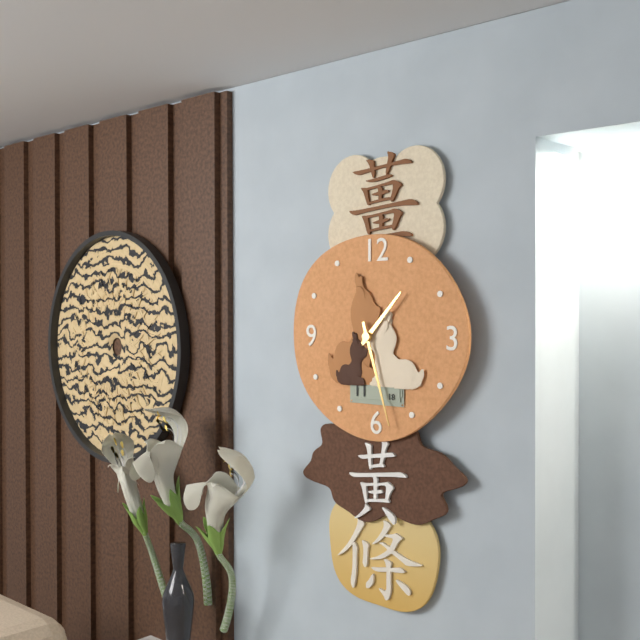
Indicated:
h=1 m=27
